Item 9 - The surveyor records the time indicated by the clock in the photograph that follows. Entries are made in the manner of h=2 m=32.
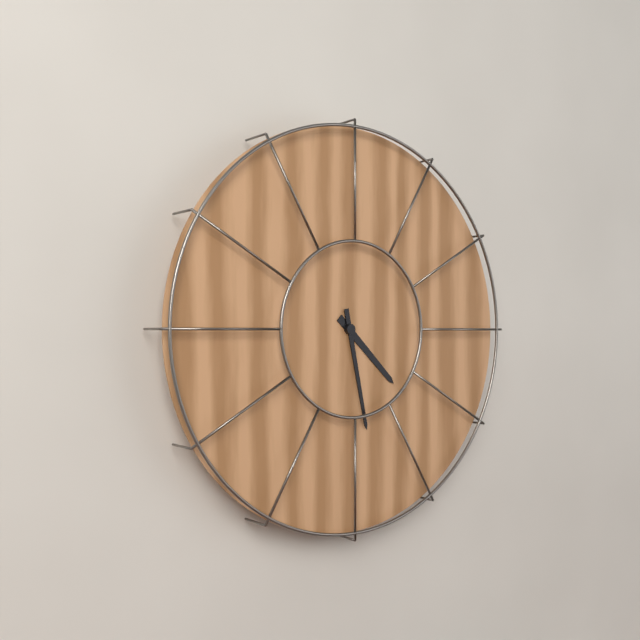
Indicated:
h=4 m=28
